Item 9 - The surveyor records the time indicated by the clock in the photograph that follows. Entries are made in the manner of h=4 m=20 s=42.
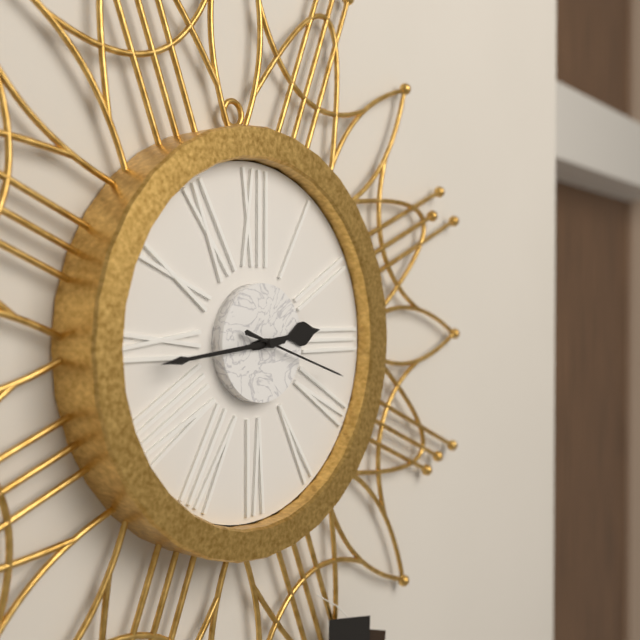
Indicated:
h=2 m=44 s=18
